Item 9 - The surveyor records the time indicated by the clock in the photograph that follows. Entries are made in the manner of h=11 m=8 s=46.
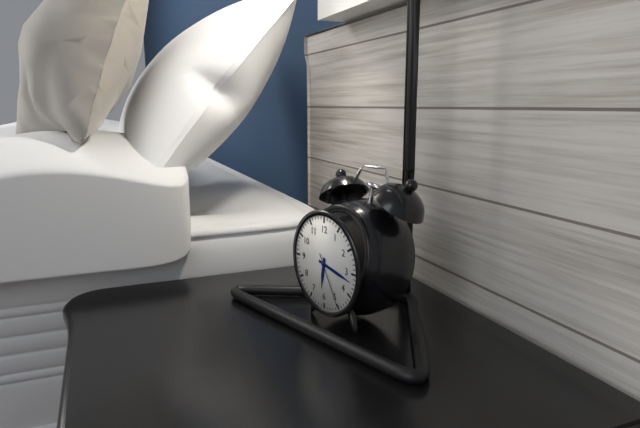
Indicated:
h=6 m=17 s=25
